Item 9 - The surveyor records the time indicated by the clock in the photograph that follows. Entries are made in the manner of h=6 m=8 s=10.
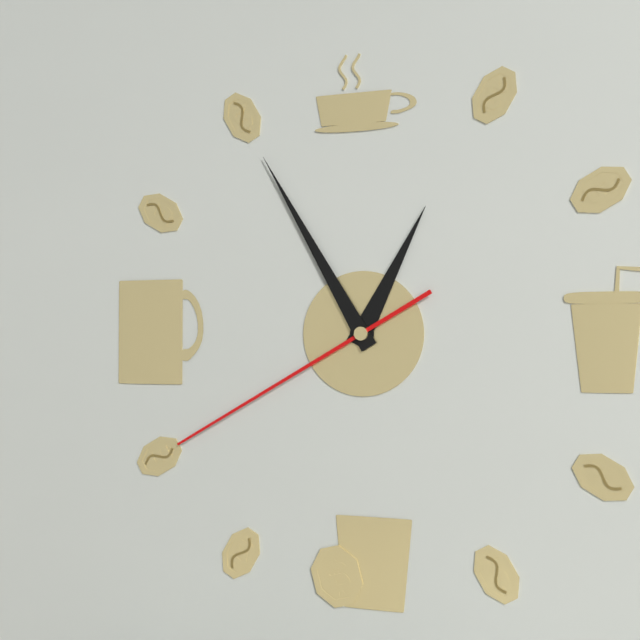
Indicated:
h=12 m=55 s=40
